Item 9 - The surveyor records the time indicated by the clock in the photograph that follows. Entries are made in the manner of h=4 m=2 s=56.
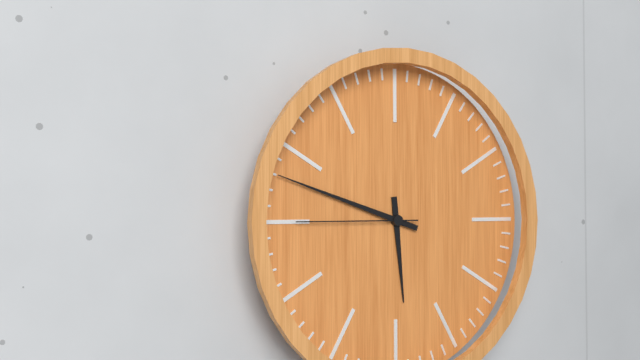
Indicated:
h=5 m=48 s=45
